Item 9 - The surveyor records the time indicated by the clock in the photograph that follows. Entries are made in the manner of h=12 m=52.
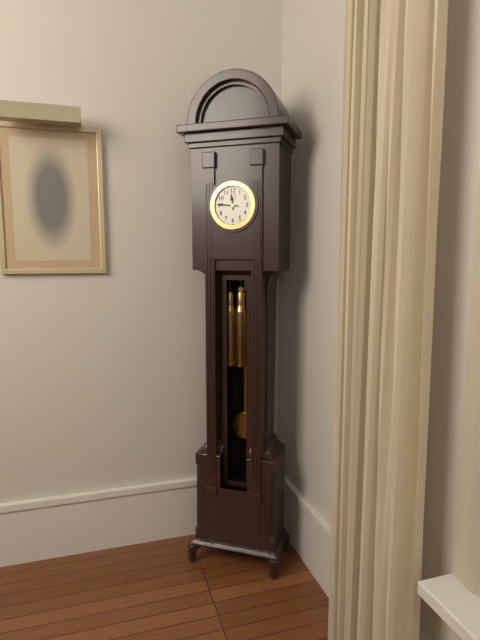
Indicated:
h=11 m=46
